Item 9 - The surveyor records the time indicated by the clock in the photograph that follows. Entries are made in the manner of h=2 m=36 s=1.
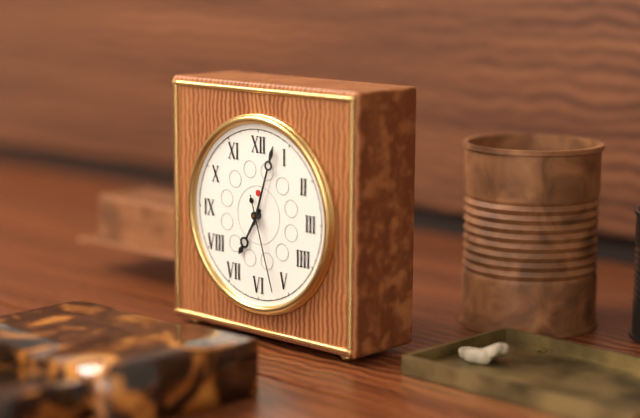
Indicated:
h=7 m=3 s=27
